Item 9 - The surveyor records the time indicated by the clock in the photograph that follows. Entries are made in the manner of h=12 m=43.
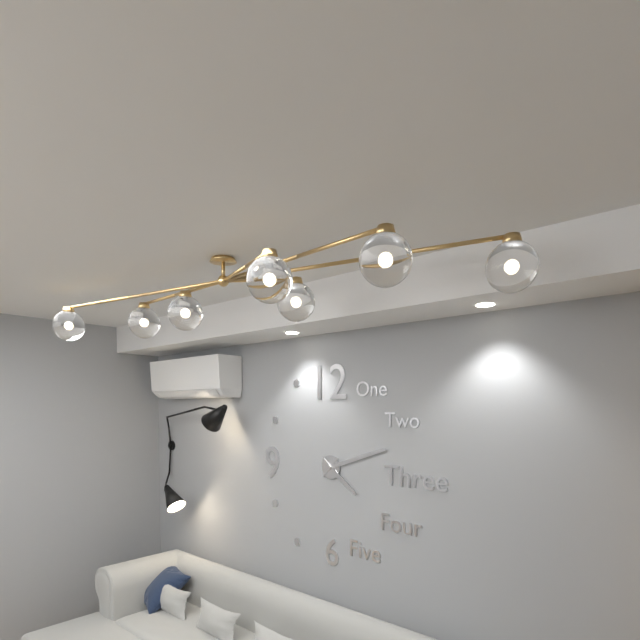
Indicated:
h=4 m=12
